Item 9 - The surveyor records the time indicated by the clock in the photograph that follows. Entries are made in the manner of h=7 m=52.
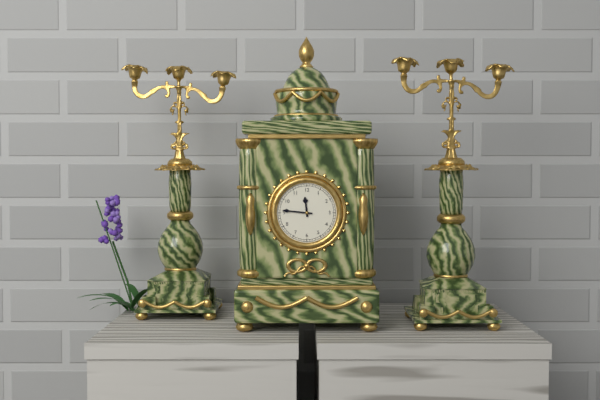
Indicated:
h=11 m=46
